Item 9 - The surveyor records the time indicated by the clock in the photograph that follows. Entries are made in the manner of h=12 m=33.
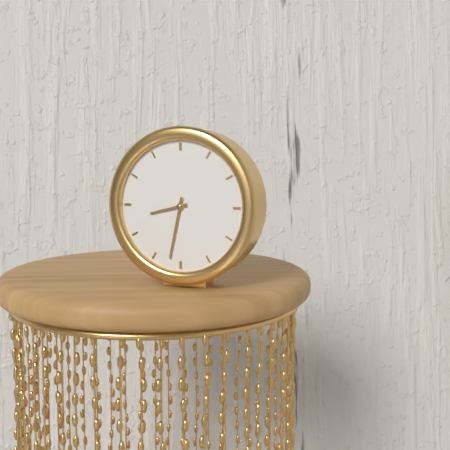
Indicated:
h=8 m=32
